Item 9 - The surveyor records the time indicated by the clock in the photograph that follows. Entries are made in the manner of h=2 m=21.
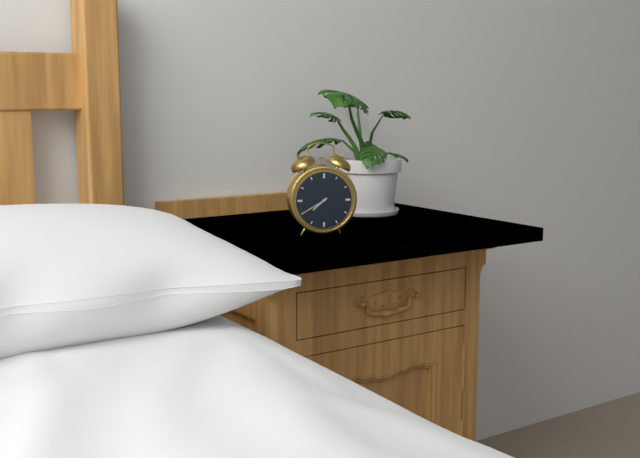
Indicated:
h=7 m=40
